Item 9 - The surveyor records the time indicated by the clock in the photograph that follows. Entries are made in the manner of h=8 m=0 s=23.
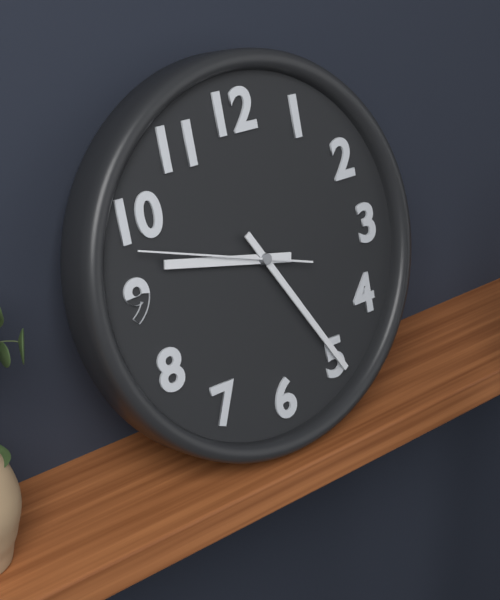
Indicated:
h=9 m=25 s=48
